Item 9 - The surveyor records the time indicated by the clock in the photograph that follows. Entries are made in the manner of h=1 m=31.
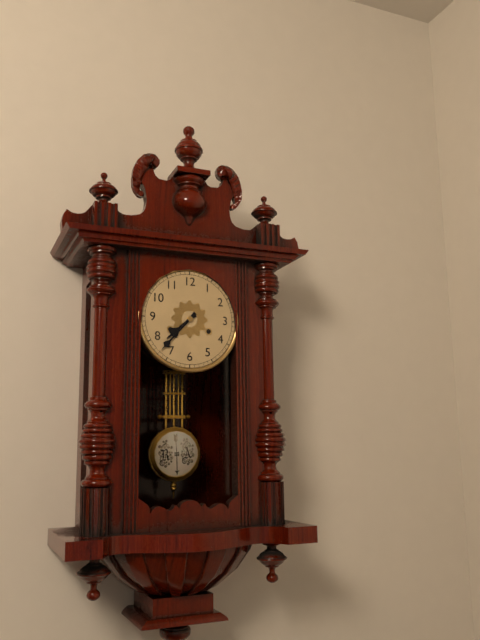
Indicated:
h=7 m=37
